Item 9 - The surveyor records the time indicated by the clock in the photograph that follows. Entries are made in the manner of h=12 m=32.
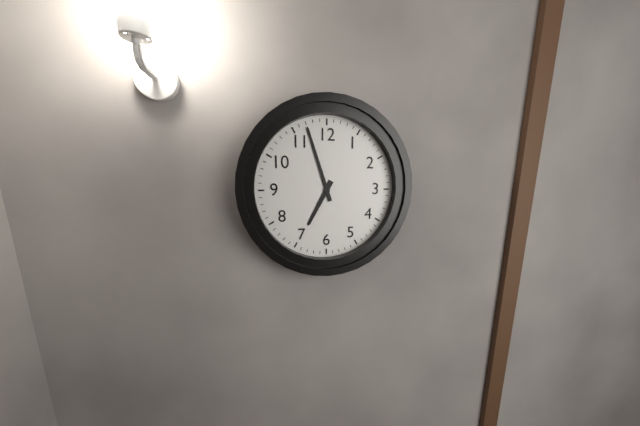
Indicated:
h=6 m=57
